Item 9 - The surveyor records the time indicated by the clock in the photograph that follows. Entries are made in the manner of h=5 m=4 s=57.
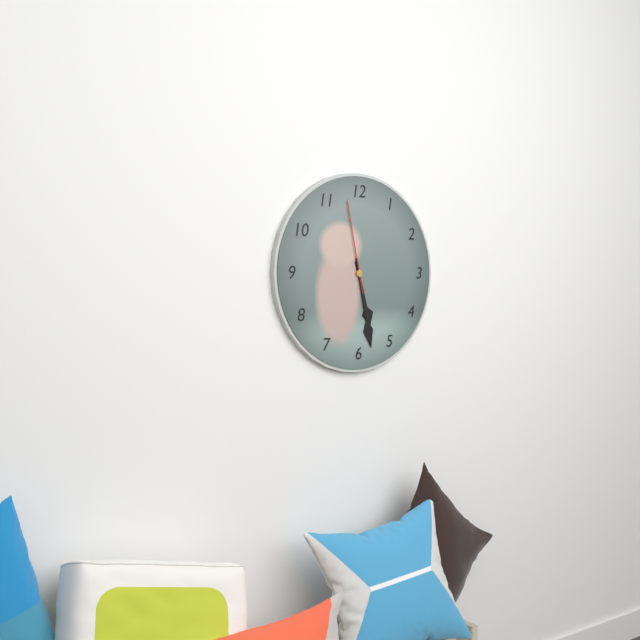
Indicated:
h=5 m=28 s=58
